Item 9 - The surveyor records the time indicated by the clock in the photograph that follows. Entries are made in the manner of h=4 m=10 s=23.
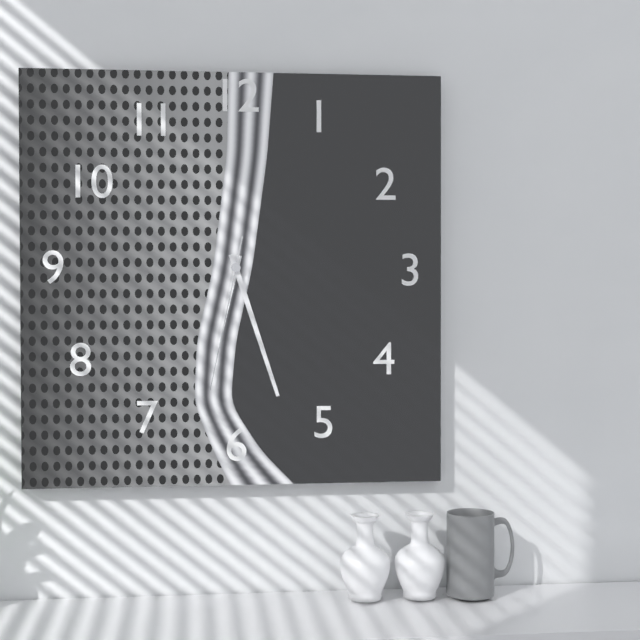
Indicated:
h=6 m=27 s=32
